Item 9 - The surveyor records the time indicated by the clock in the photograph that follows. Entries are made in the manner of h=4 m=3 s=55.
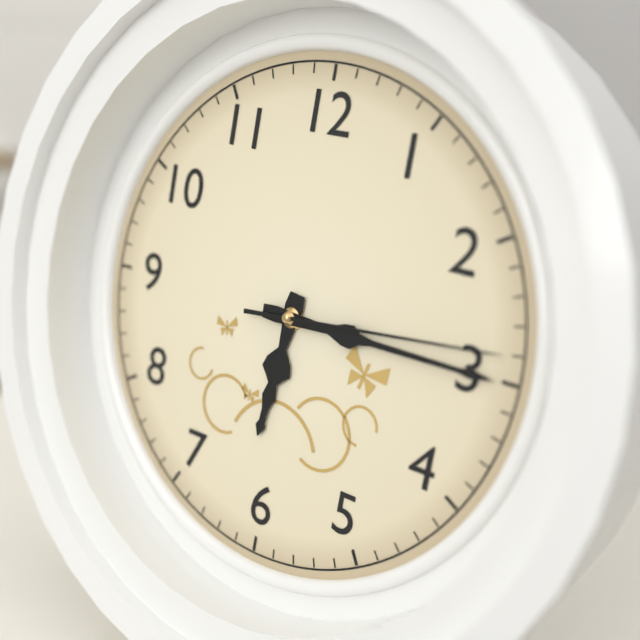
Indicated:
h=6 m=15 s=14
